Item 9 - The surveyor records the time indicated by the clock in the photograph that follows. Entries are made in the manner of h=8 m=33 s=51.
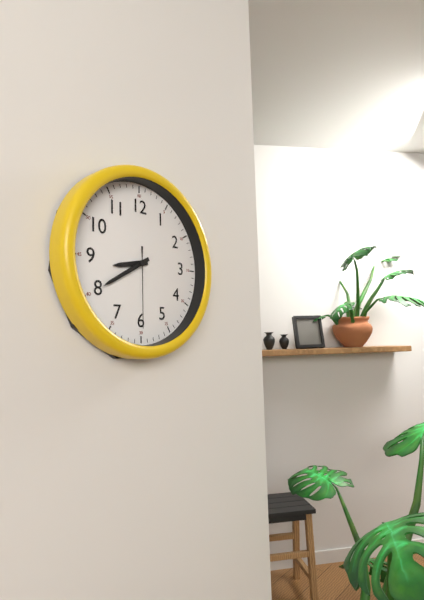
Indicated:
h=8 m=40 s=30
